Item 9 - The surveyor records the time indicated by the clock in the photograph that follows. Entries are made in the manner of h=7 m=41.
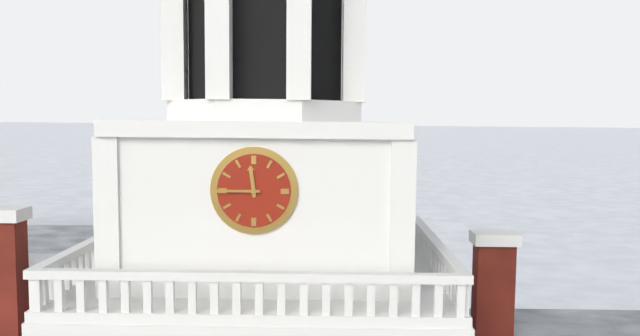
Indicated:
h=11 m=45
